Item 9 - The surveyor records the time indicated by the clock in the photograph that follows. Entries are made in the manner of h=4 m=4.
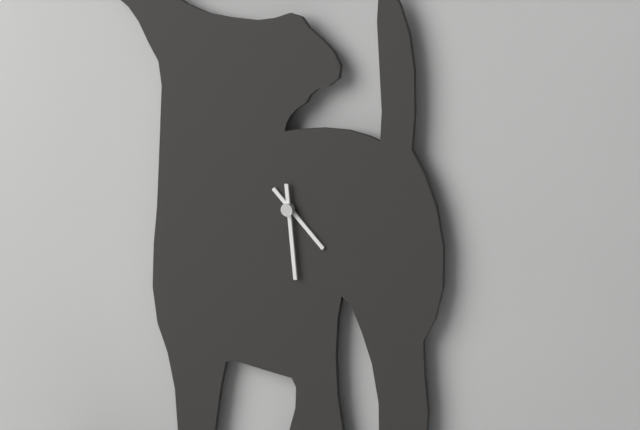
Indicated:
h=4 m=29
